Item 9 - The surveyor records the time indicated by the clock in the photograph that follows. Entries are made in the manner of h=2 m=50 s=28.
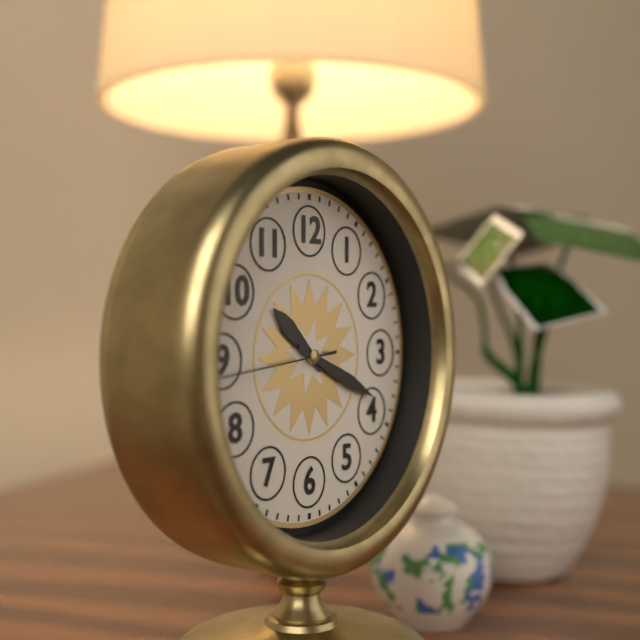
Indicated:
h=10 m=19 s=44
